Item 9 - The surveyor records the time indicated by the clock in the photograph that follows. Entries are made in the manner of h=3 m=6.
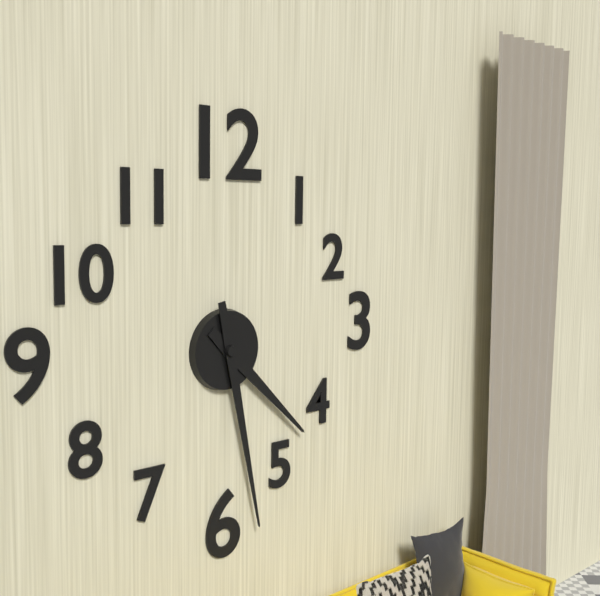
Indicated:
h=4 m=28
